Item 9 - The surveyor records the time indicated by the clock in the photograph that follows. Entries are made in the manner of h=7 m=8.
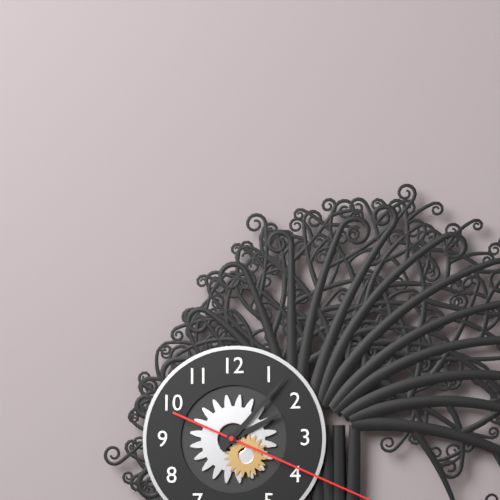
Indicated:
h=2 m=7
